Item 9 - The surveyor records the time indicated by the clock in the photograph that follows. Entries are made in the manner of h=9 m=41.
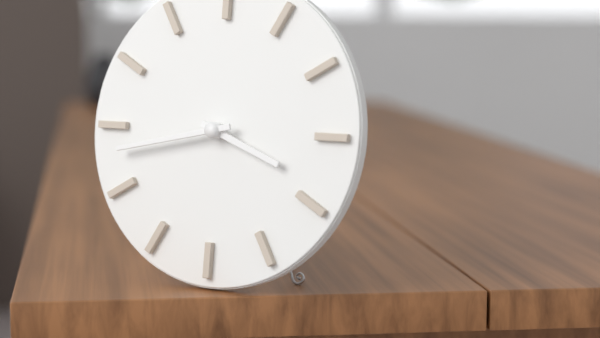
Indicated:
h=3 m=43
